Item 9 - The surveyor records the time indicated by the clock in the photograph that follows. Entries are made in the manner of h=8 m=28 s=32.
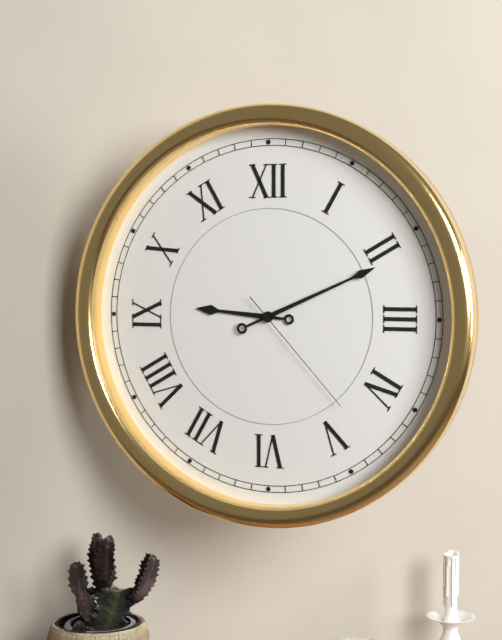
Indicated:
h=9 m=11 s=23
